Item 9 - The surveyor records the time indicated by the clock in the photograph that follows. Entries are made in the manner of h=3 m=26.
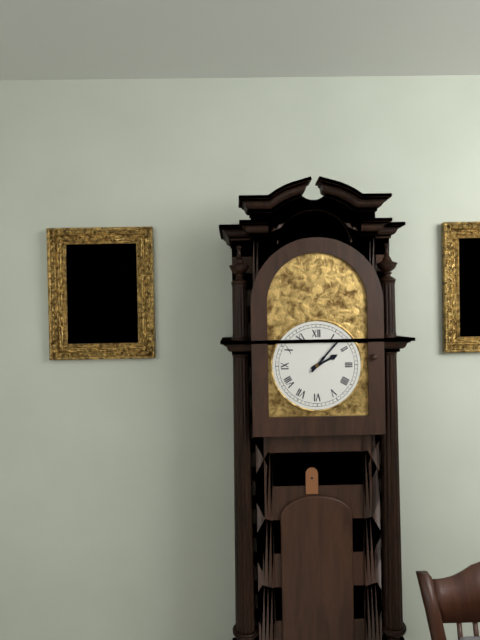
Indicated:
h=2 m=7
